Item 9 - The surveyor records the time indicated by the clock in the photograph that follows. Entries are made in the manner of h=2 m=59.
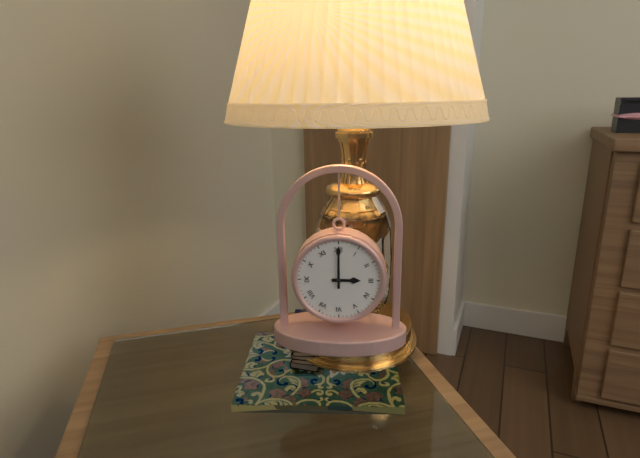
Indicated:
h=3 m=0
